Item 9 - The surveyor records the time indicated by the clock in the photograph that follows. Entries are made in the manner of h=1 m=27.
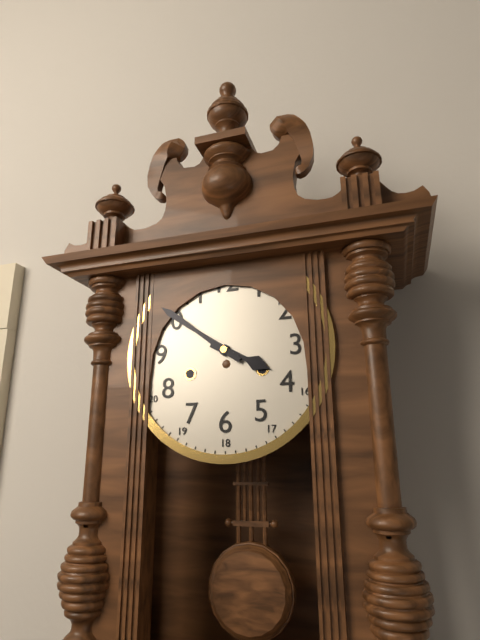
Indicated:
h=3 m=51
